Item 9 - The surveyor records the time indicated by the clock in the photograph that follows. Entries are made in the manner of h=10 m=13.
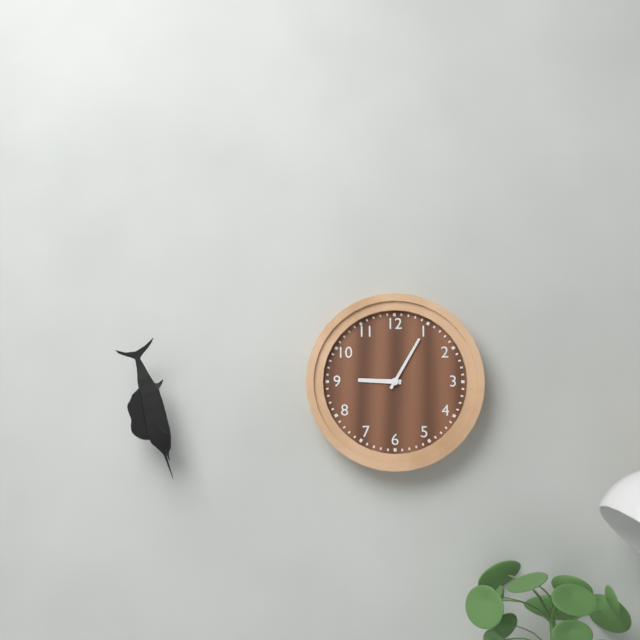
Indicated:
h=9 m=5
